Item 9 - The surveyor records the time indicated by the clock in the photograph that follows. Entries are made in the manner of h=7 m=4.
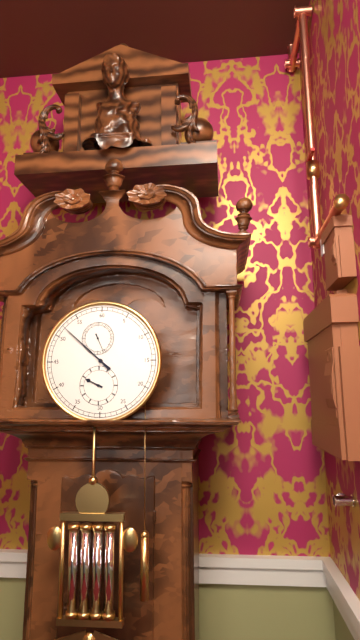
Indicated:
h=9 m=52
